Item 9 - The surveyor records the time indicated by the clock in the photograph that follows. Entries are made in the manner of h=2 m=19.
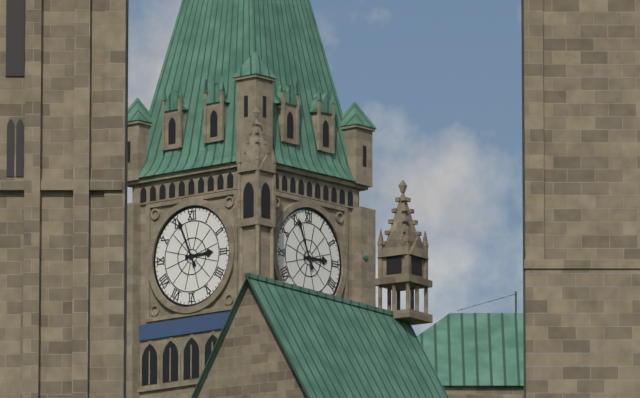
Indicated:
h=2 m=56
